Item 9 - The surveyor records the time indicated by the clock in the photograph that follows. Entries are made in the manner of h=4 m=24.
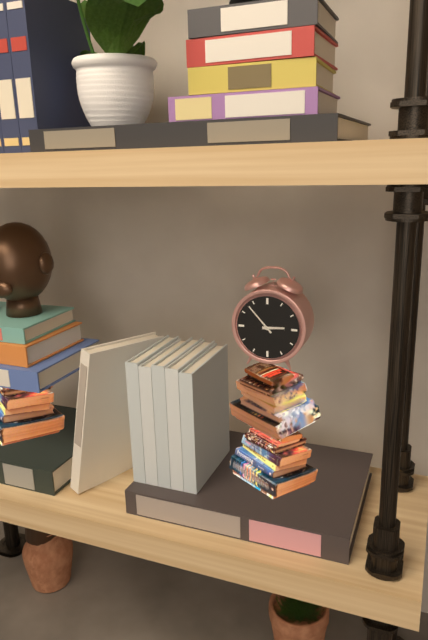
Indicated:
h=2 m=53
